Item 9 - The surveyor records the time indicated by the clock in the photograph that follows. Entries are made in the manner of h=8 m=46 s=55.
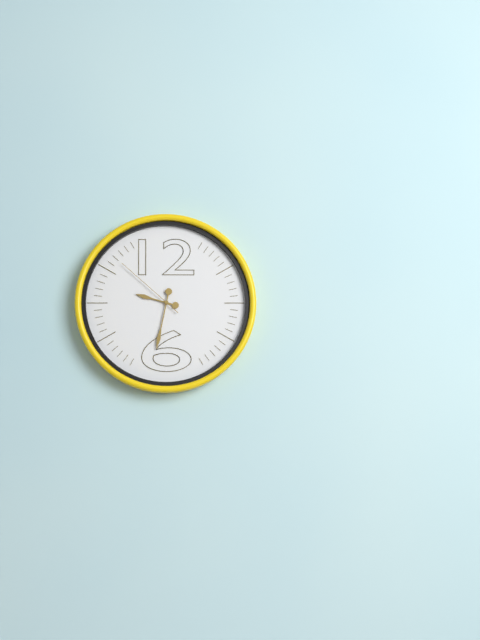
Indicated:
h=9 m=32 s=52
